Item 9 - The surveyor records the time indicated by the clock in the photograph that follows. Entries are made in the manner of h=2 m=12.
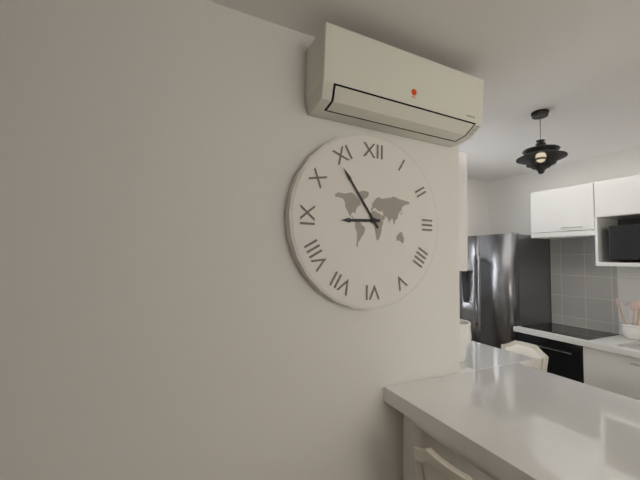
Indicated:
h=8 m=54
